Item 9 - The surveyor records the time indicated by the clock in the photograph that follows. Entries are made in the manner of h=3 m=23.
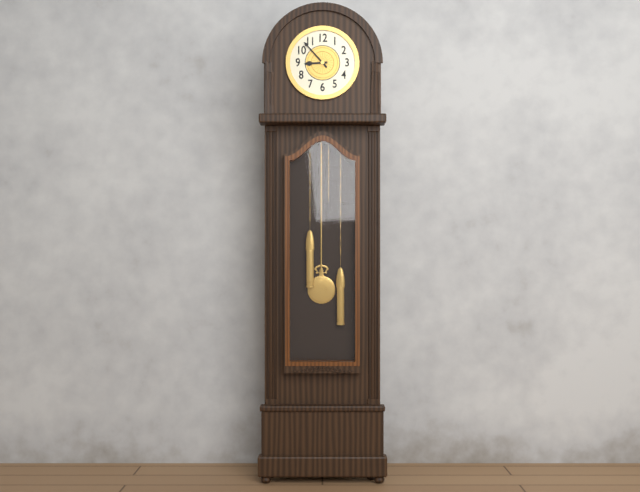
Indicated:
h=8 m=53
